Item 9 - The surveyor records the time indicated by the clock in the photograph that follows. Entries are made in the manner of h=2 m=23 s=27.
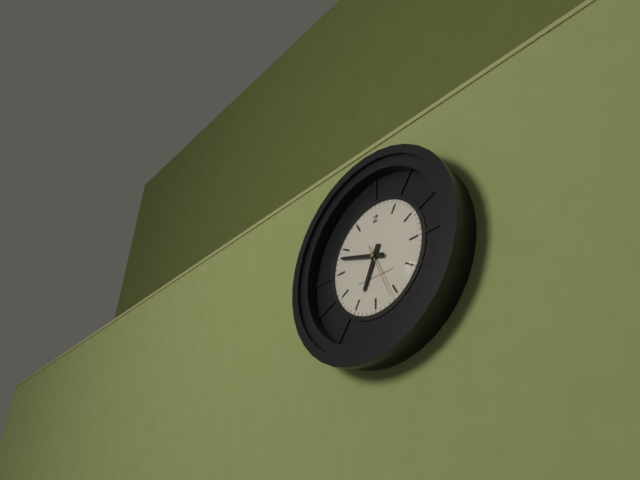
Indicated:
h=6 m=48 s=26
